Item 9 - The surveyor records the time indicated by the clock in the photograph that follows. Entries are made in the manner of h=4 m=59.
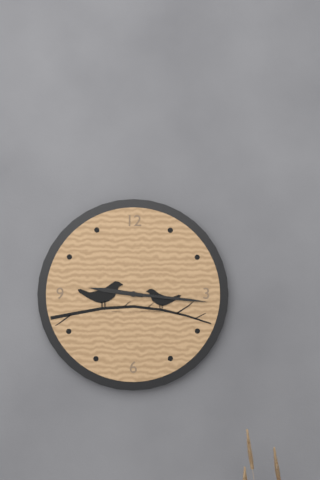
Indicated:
h=9 m=16
